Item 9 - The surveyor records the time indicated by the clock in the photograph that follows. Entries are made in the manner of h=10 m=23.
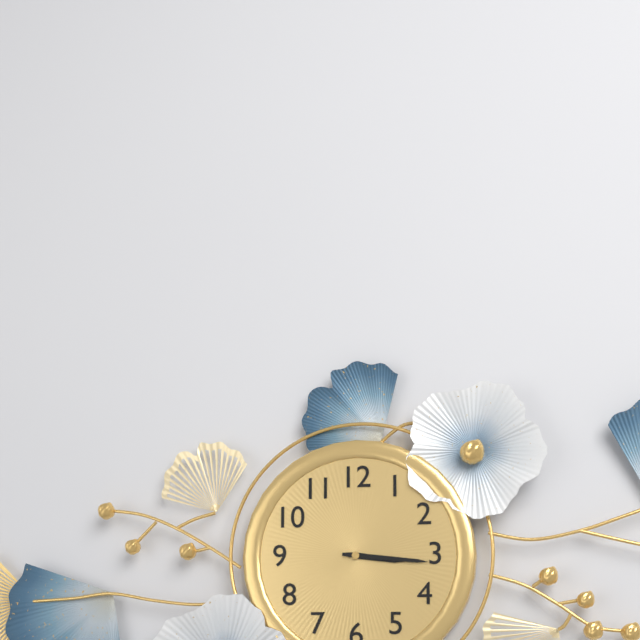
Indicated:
h=3 m=16
